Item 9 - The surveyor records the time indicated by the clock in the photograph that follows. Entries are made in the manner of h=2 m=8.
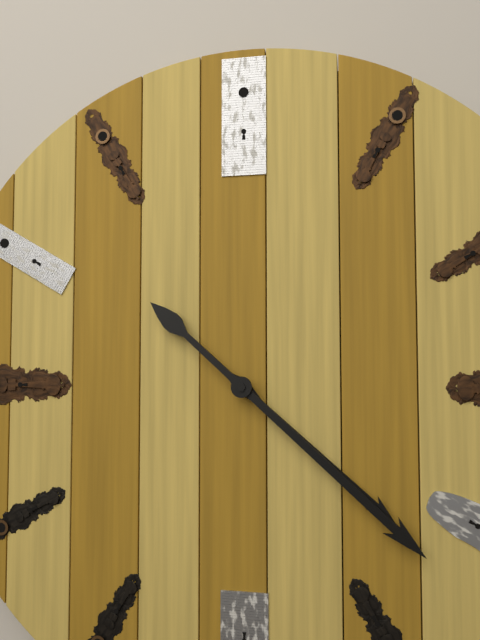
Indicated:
h=4 m=22
